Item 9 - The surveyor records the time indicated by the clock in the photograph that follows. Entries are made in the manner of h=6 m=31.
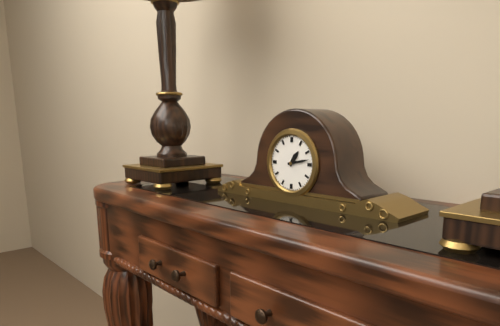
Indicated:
h=1 m=13
